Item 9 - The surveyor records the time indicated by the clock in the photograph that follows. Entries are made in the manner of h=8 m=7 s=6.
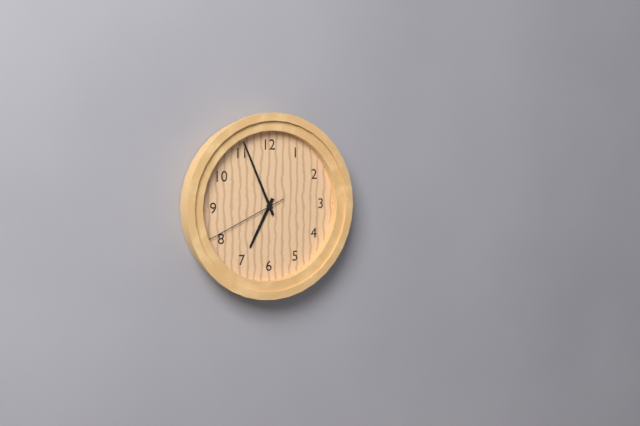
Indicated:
h=6 m=56 s=41
